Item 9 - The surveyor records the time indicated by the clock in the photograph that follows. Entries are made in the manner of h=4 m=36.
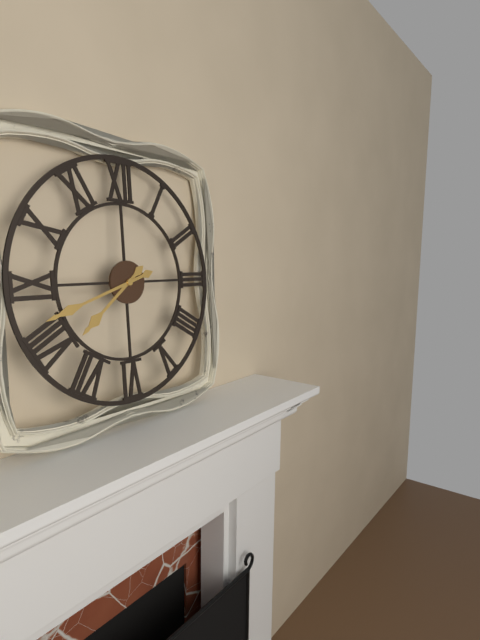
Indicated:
h=7 m=42
